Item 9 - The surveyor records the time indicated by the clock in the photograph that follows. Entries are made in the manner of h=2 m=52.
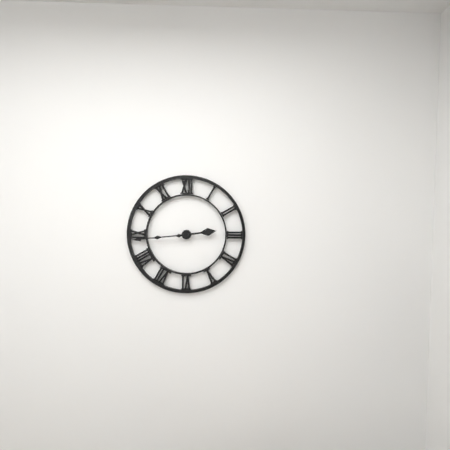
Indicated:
h=2 m=44
